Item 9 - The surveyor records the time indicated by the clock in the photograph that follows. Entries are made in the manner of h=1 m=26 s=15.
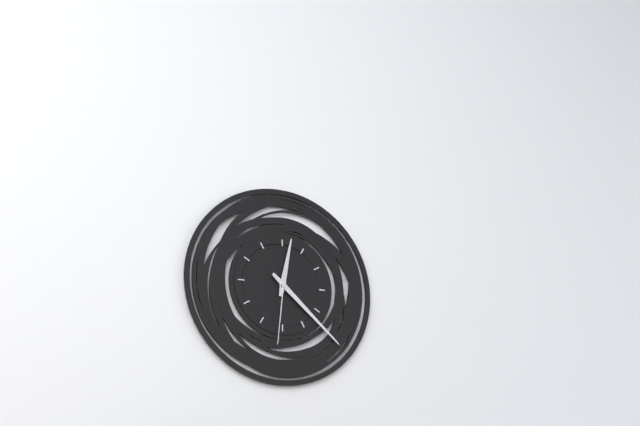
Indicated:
h=12 m=22 s=31
